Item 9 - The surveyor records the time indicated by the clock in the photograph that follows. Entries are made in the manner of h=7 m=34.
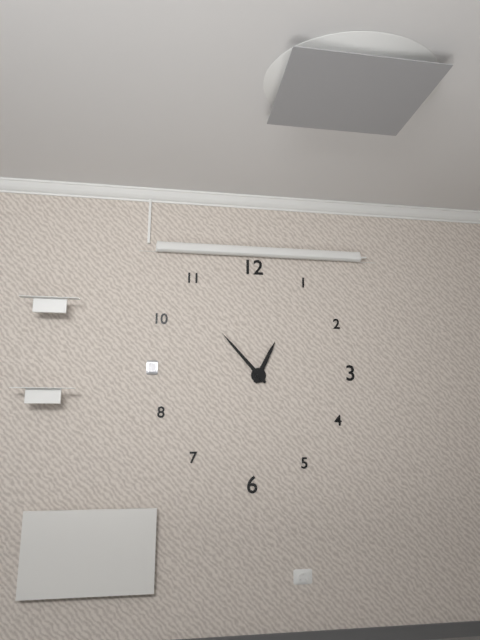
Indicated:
h=12 m=53
